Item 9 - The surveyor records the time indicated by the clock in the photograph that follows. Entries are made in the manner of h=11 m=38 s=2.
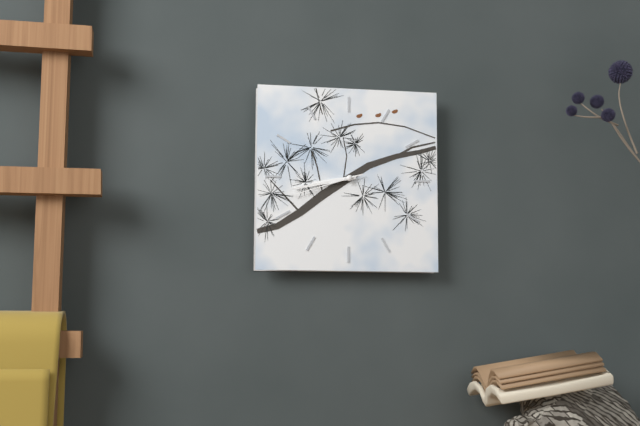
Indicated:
h=8 m=43 s=42
